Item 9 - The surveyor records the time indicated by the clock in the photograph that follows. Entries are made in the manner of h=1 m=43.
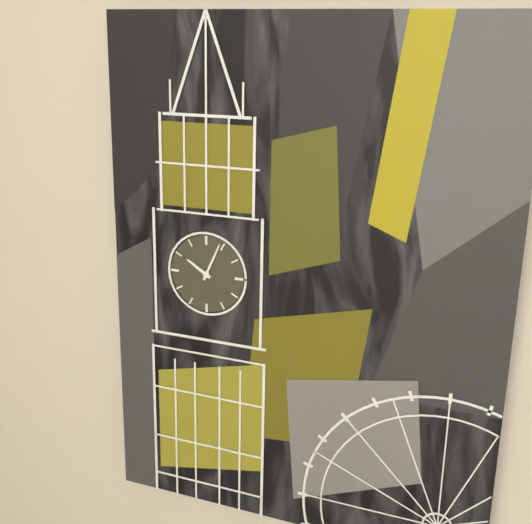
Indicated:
h=10 m=4
